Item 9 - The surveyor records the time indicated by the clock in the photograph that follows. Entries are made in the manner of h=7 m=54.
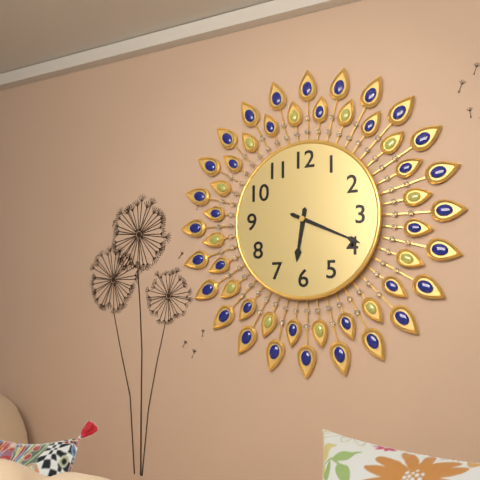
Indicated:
h=6 m=19
